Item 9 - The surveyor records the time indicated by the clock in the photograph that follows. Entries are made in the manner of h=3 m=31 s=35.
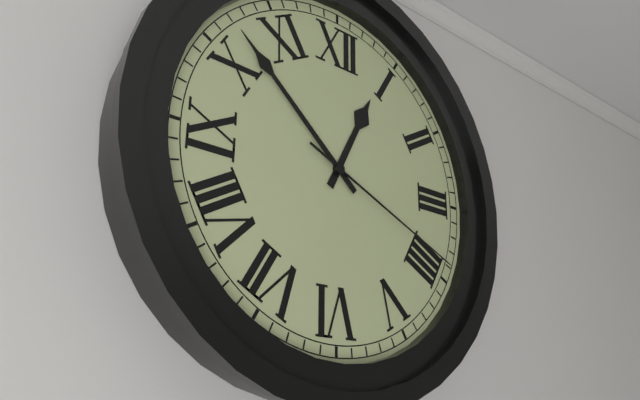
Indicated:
h=12 m=52 s=19
